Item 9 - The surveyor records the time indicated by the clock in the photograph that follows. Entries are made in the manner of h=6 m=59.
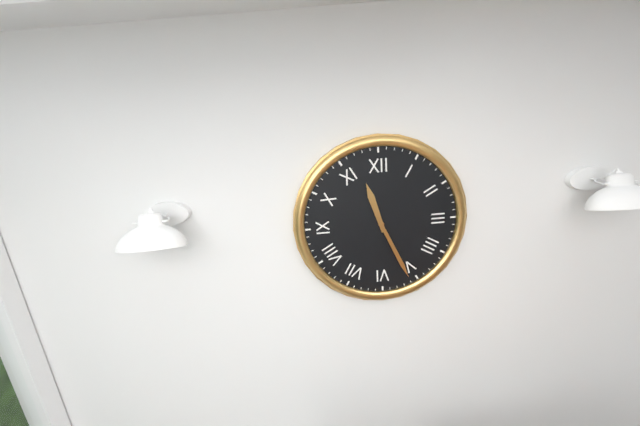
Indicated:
h=11 m=26
